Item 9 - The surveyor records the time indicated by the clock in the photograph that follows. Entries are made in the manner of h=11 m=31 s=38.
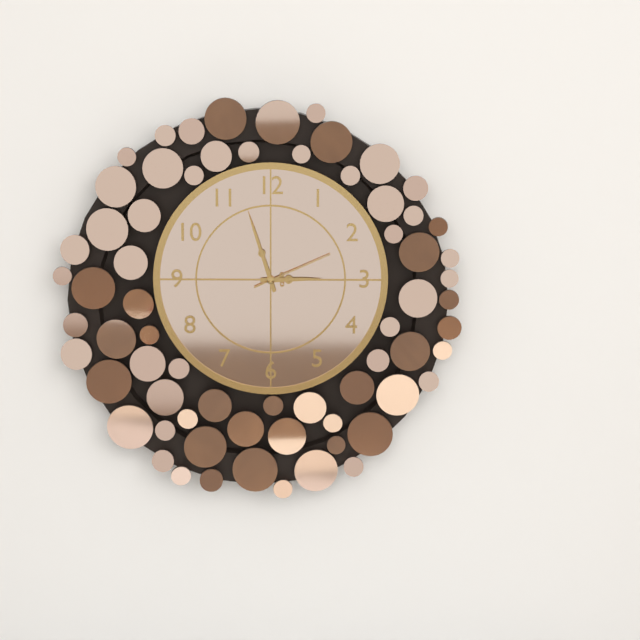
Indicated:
h=2 m=57 s=11
